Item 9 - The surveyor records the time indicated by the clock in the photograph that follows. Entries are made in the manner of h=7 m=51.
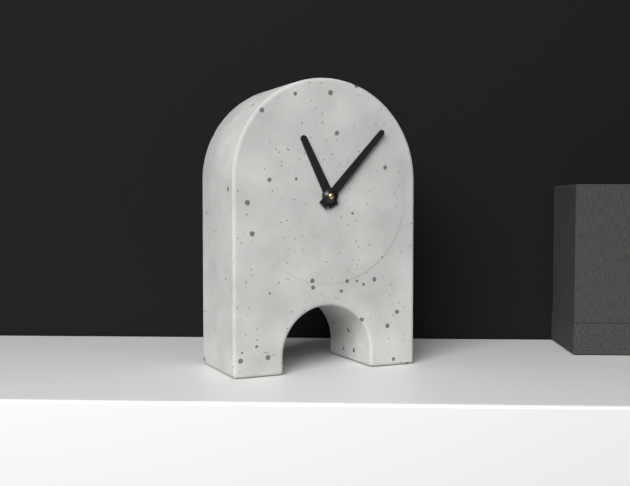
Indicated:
h=11 m=7
